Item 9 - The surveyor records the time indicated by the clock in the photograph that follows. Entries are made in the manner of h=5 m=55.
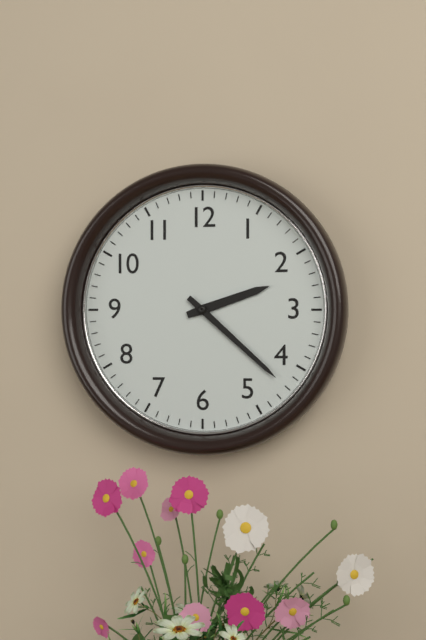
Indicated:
h=2 m=22
